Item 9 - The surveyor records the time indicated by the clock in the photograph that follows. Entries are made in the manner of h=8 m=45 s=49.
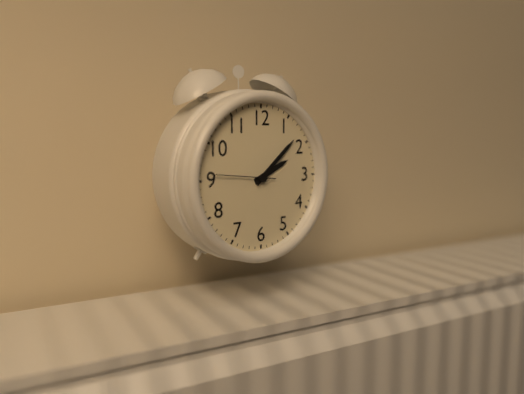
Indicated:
h=2 m=8 s=46
